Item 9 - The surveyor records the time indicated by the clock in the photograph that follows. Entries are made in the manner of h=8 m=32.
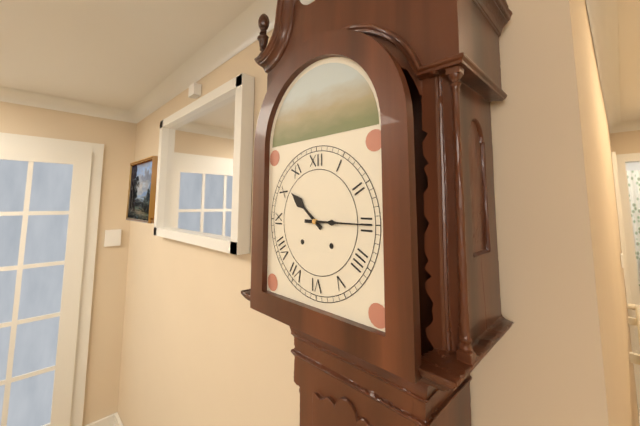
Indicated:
h=10 m=15
